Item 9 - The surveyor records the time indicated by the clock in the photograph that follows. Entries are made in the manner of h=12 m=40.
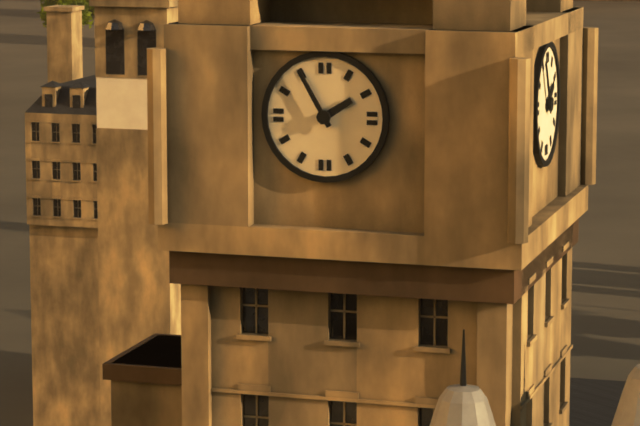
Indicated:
h=1 m=55
